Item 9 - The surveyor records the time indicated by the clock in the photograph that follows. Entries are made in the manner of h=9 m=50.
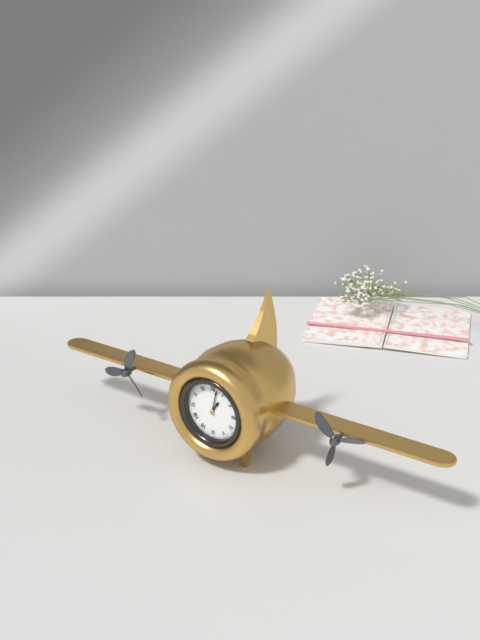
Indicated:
h=1 m=2
